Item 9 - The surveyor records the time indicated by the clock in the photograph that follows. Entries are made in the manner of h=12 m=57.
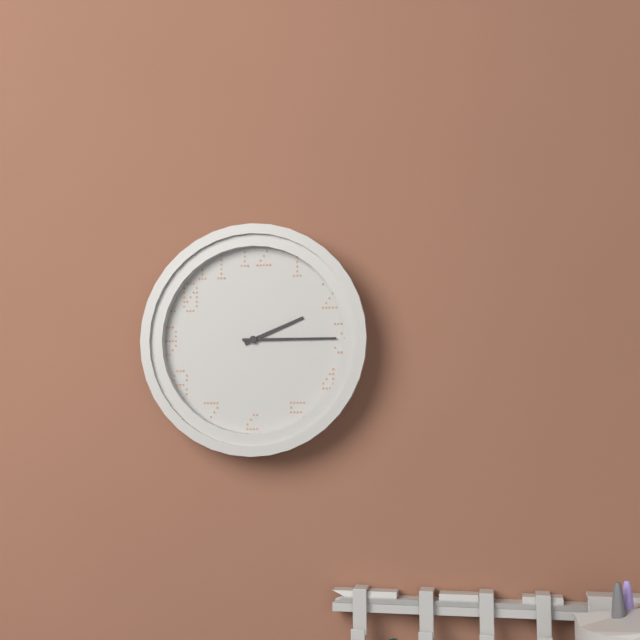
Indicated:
h=2 m=15
